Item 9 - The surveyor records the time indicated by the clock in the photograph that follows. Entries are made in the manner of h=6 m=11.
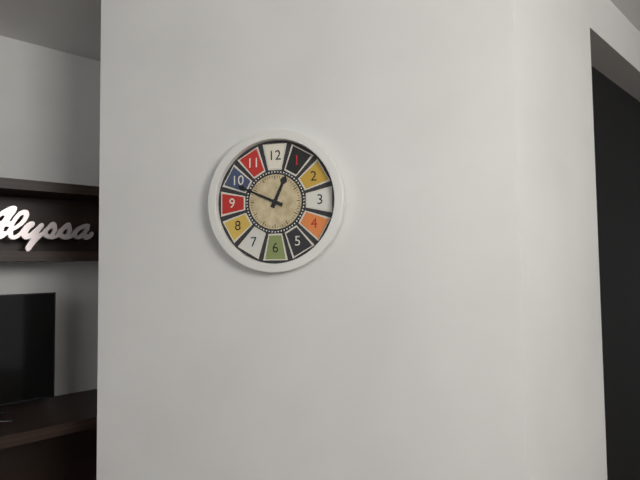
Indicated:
h=12 m=49
